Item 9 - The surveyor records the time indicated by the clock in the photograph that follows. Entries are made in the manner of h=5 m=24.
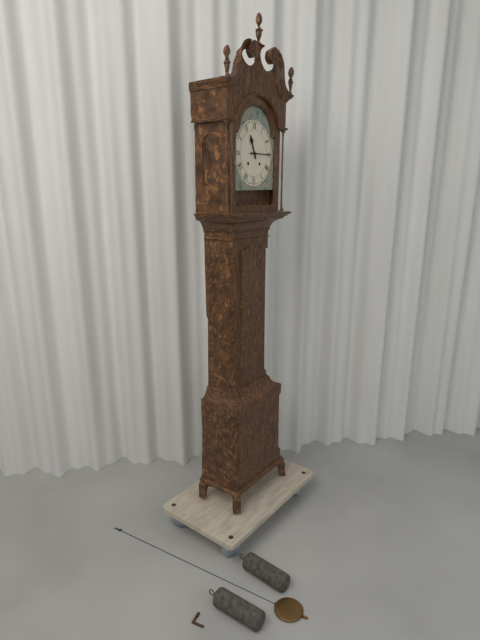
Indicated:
h=11 m=15
